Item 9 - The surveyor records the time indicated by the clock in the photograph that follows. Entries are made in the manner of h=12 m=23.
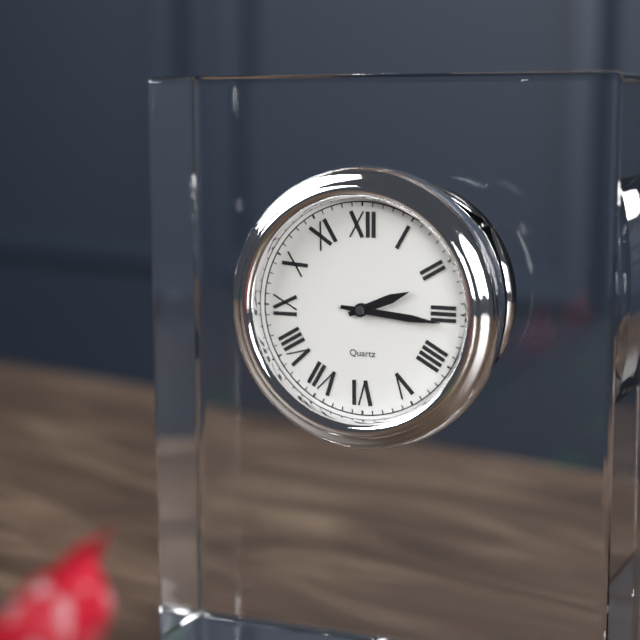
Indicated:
h=2 m=16
